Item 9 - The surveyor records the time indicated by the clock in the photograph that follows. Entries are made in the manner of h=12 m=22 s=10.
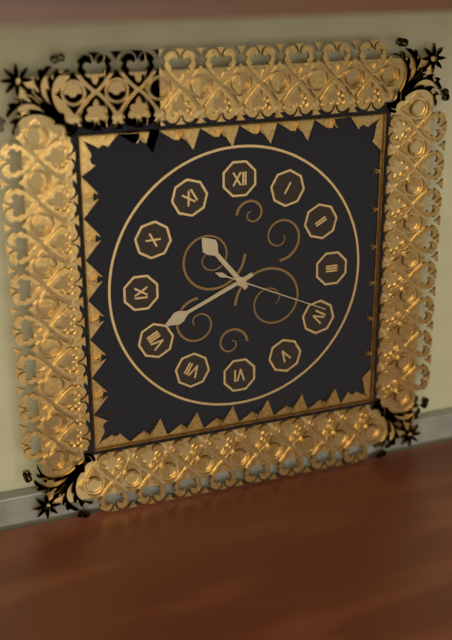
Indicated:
h=10 m=41 s=19
